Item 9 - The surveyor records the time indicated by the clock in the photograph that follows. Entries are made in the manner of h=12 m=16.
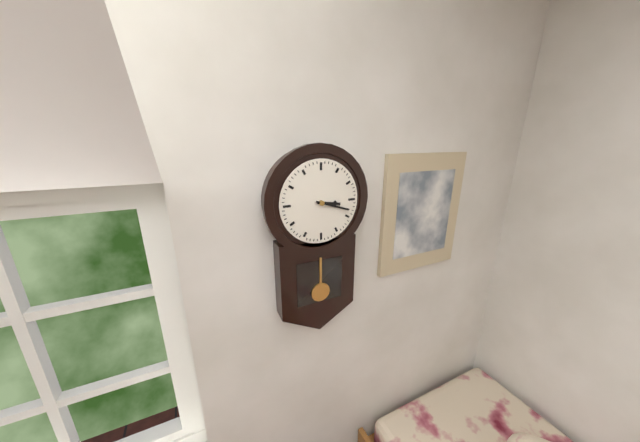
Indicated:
h=3 m=18
